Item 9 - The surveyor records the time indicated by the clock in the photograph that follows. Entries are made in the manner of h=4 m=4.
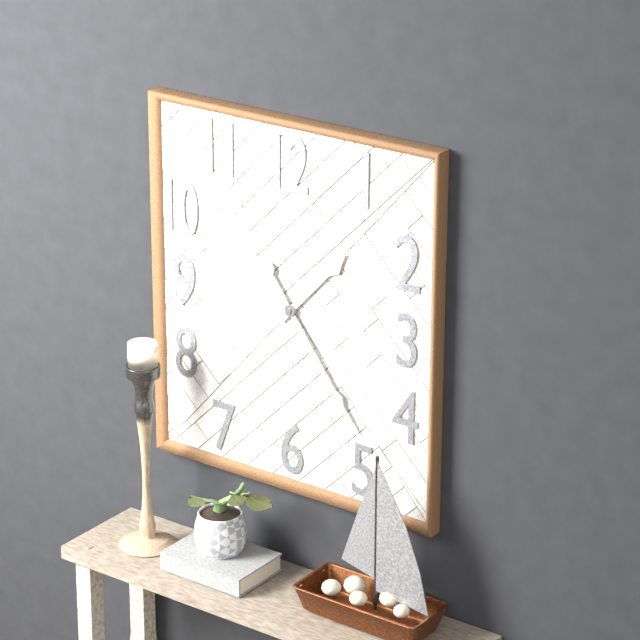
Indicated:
h=1 m=24
